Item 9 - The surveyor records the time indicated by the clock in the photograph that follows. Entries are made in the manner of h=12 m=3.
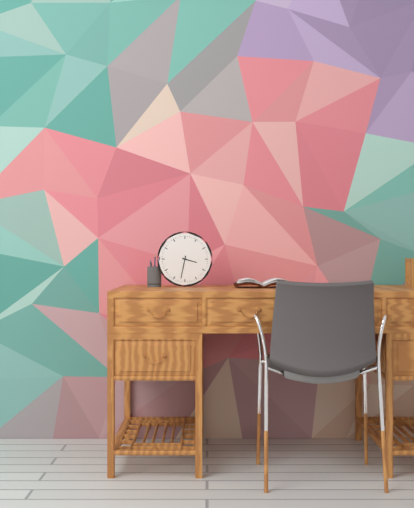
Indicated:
h=3 m=32
